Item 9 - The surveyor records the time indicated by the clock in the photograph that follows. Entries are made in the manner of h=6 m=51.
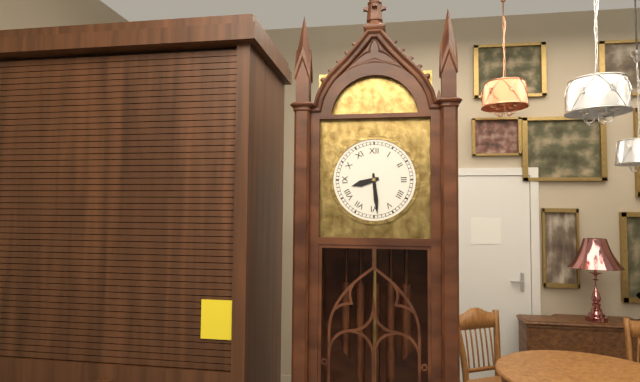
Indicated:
h=8 m=29
